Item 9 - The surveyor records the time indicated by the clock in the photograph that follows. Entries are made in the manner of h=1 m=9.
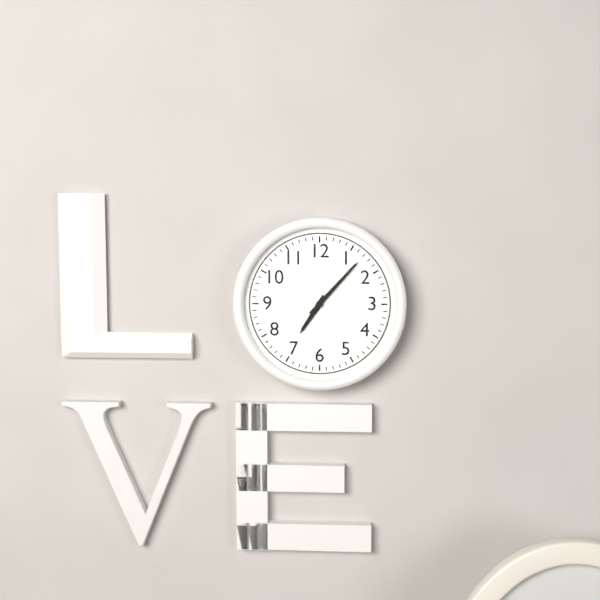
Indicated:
h=7 m=7
